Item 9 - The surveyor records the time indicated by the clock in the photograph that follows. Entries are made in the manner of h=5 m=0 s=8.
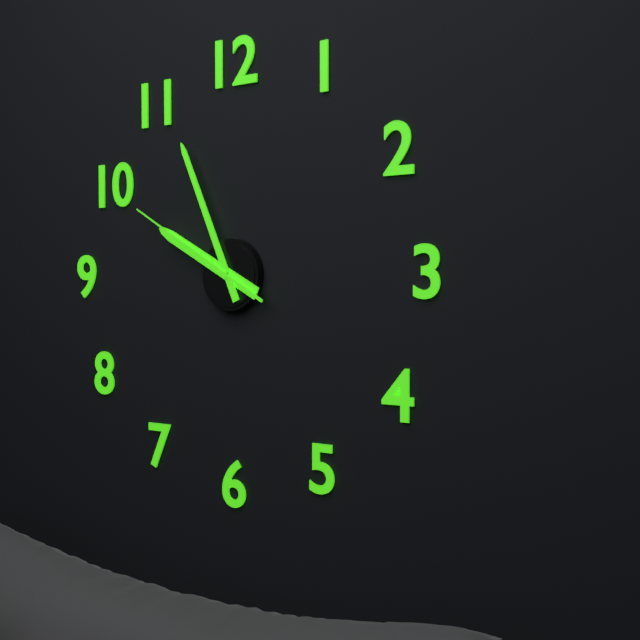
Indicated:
h=9 m=56 s=50
